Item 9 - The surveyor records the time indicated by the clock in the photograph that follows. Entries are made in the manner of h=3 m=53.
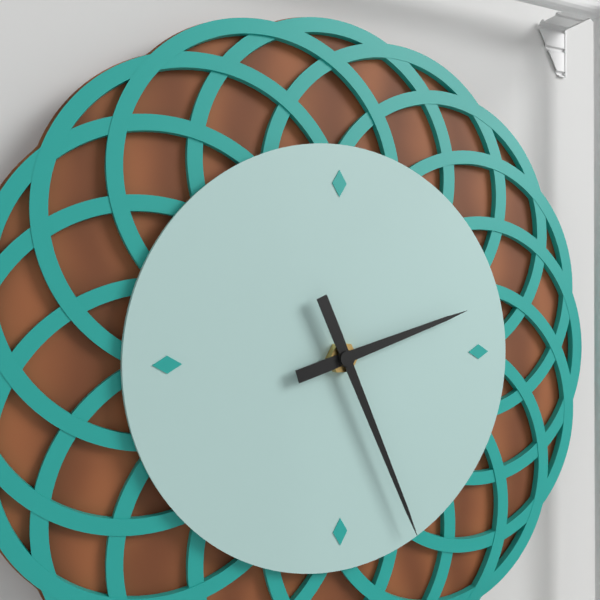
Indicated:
h=2 m=26
